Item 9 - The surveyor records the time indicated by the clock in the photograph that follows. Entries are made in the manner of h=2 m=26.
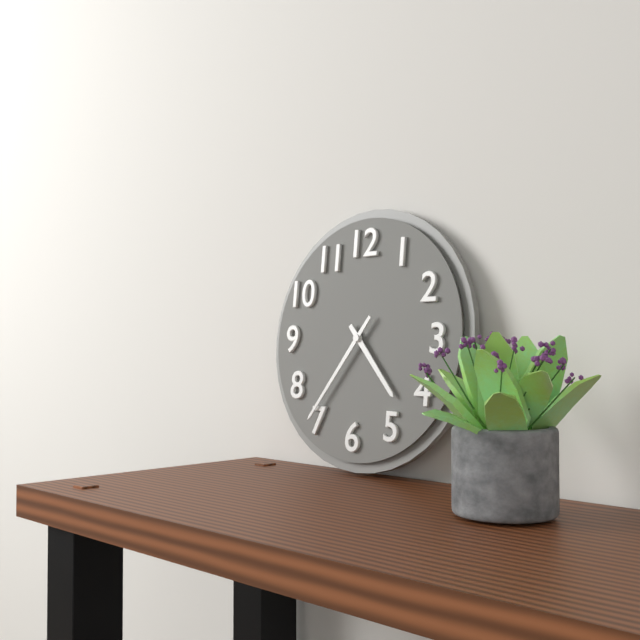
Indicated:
h=4 m=36
